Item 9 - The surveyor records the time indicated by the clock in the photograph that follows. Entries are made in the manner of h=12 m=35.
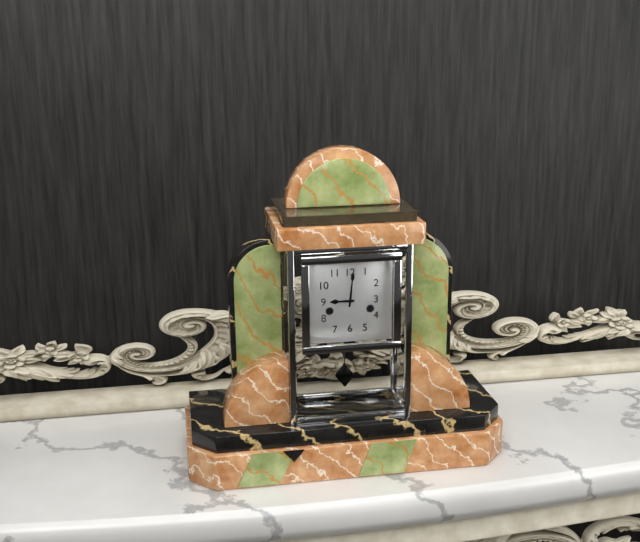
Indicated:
h=9 m=1
